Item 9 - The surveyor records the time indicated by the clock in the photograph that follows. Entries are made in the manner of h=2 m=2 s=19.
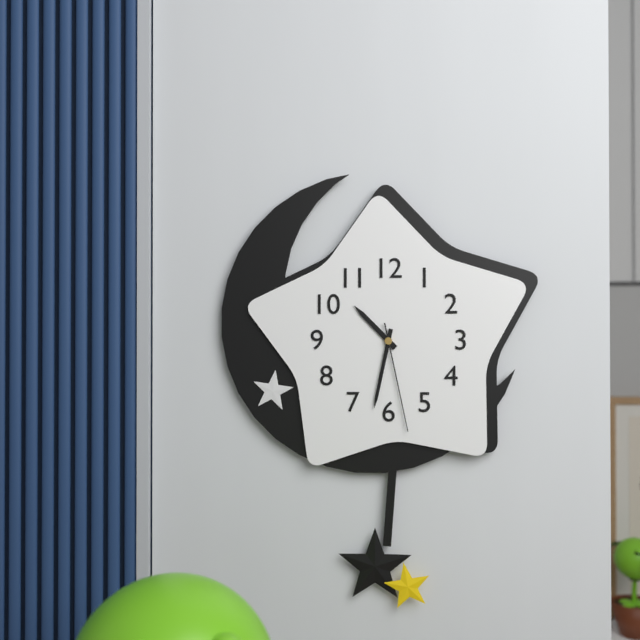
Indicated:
h=10 m=32 s=28
